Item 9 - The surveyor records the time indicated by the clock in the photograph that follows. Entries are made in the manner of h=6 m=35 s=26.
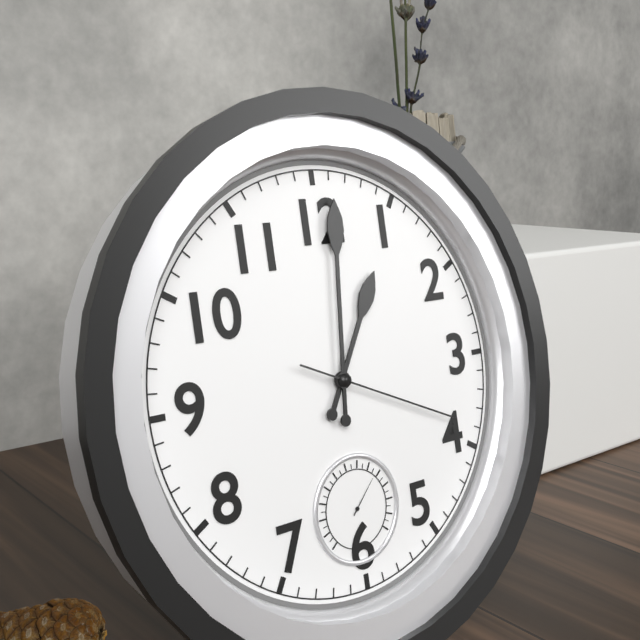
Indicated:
h=1 m=1 s=19
